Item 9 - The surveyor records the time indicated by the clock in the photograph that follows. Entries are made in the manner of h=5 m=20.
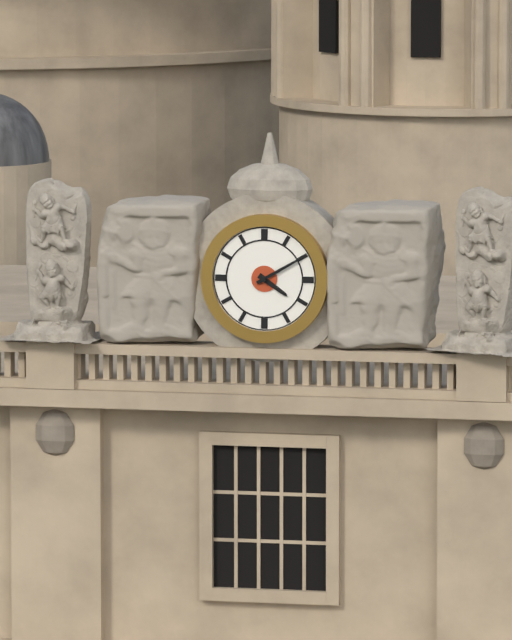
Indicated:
h=4 m=10
